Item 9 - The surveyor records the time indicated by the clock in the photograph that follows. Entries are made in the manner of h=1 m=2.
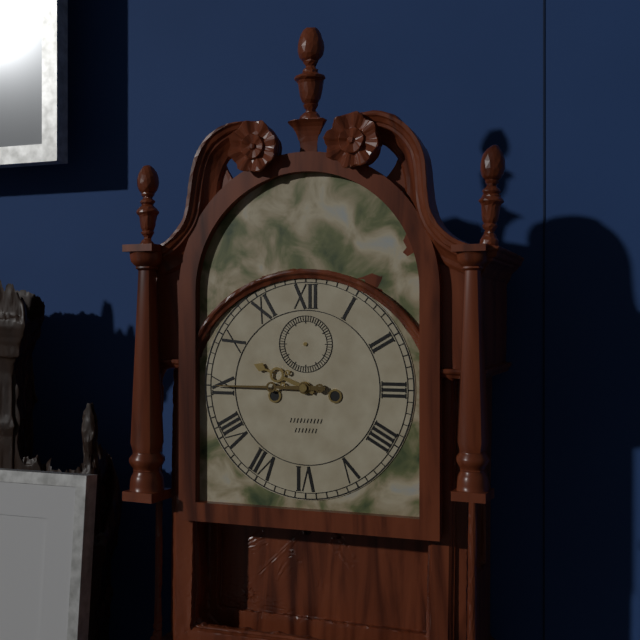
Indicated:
h=9 m=45
